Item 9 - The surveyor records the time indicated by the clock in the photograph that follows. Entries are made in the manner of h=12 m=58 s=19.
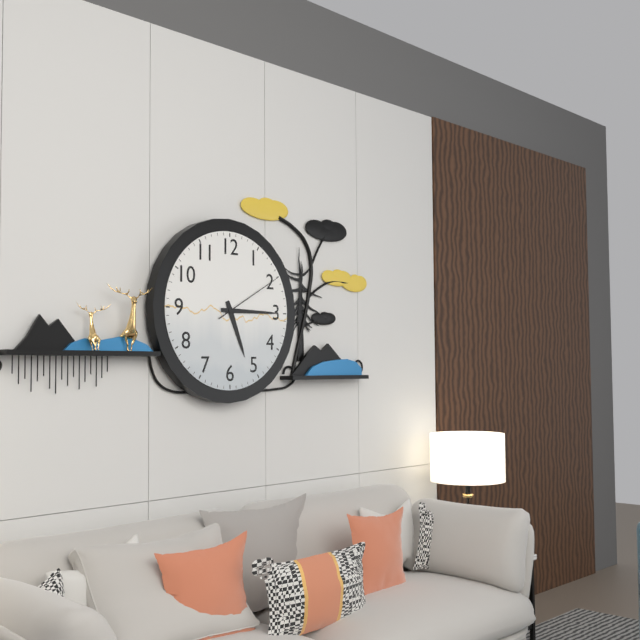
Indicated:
h=5 m=15 s=10
